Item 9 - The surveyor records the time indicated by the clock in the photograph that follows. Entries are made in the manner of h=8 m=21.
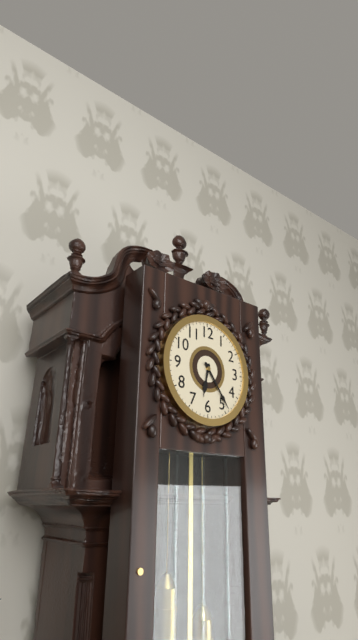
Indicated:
h=6 m=24
